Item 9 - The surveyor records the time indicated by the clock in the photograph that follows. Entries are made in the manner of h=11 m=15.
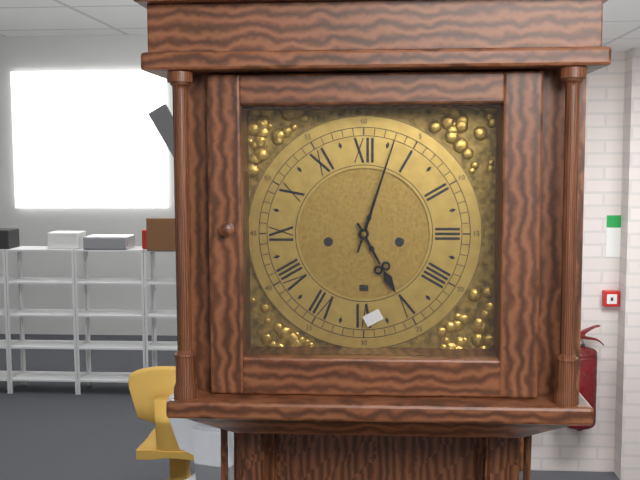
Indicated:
h=5 m=3
